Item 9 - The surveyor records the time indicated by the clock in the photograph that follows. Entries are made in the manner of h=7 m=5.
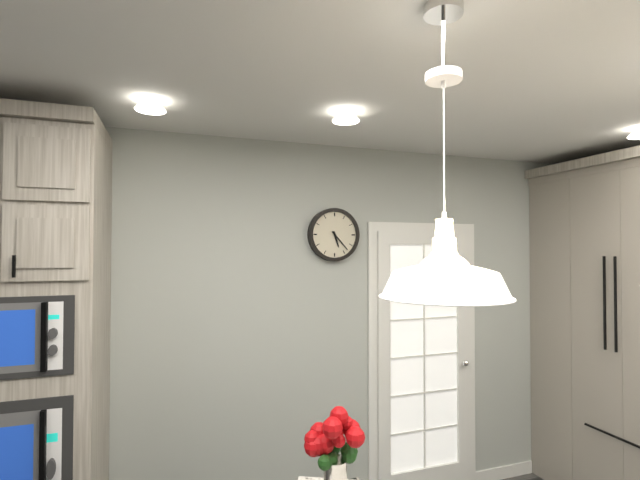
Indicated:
h=5 m=23
